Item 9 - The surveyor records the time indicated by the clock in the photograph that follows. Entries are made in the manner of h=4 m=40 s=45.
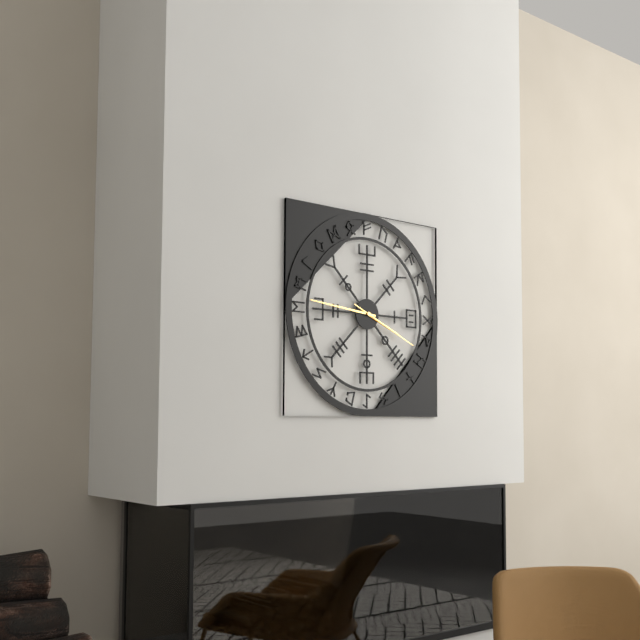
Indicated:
h=3 m=46 s=19
